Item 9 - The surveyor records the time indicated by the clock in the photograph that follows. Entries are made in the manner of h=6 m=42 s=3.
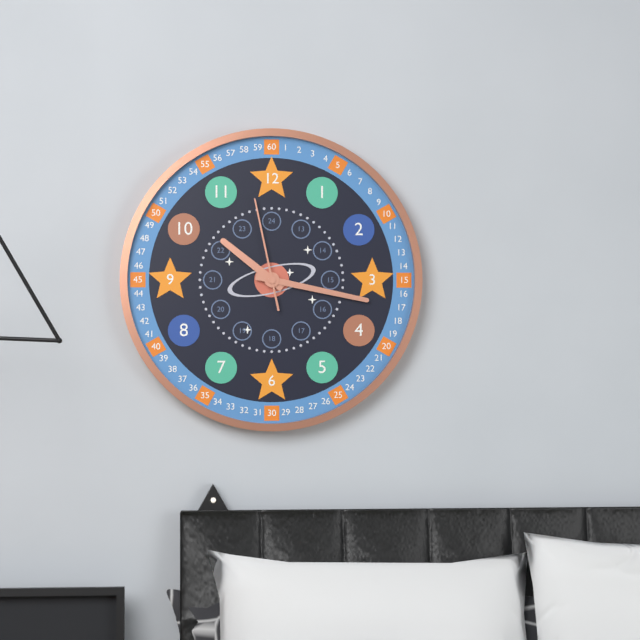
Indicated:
h=10 m=17 s=58
